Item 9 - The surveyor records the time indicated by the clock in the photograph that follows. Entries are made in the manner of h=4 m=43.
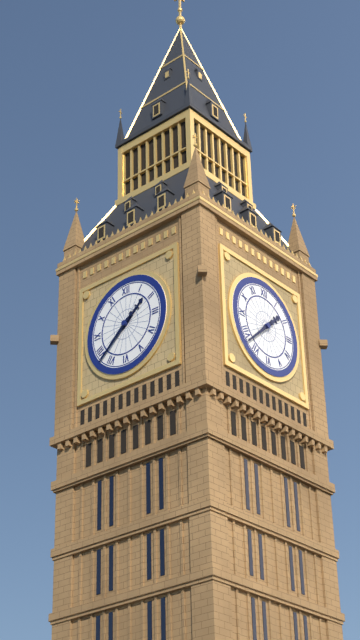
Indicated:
h=1 m=38
